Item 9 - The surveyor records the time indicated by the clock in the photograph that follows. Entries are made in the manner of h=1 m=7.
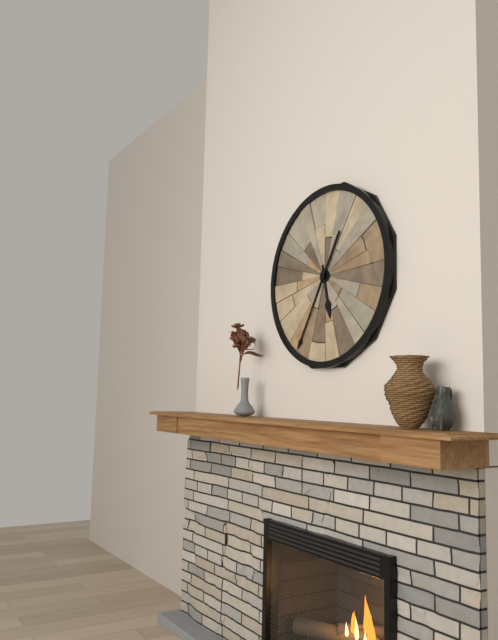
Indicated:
h=5 m=35
